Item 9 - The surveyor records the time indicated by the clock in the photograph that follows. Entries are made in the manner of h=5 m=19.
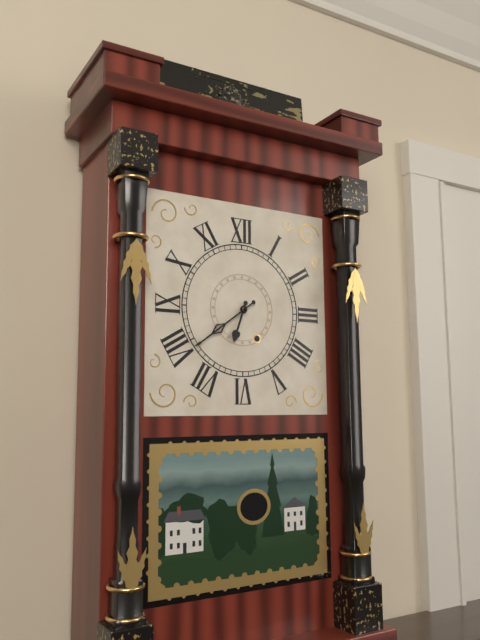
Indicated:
h=6 m=39
